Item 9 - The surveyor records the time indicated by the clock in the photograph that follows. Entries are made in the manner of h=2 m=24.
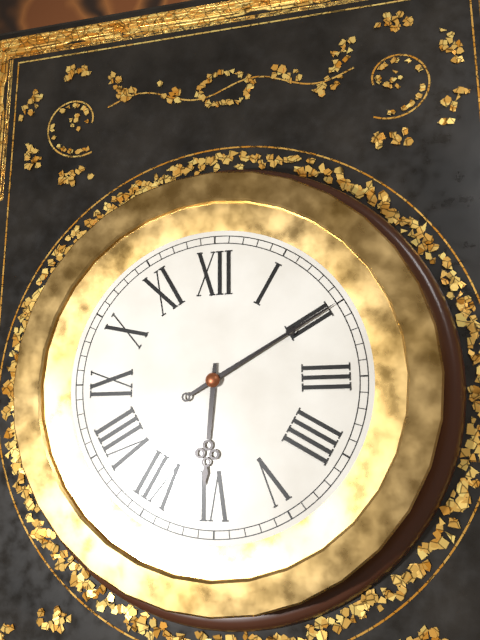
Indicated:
h=6 m=10
